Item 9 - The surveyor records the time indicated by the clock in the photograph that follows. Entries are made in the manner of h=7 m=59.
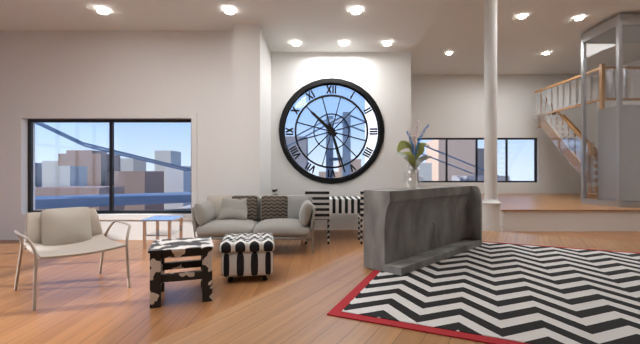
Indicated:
h=10 m=27
